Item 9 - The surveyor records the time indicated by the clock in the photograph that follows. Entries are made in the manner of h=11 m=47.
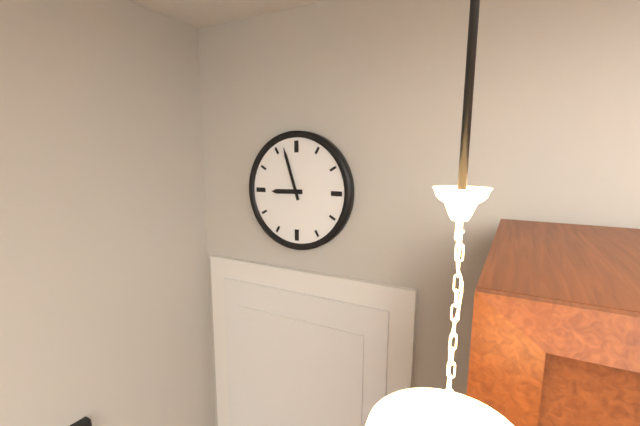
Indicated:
h=8 m=57
